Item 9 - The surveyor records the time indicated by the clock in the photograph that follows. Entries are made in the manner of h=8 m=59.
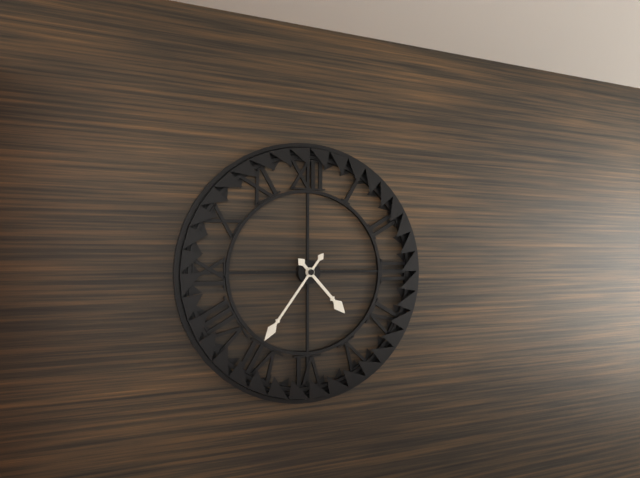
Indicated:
h=4 m=36
